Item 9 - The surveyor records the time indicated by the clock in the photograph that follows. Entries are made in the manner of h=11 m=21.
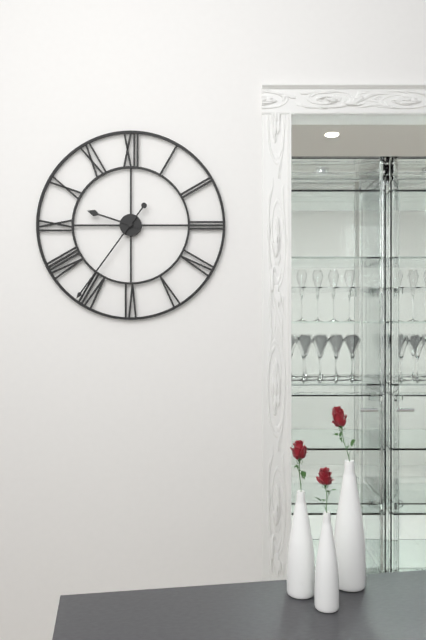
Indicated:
h=9 m=36
